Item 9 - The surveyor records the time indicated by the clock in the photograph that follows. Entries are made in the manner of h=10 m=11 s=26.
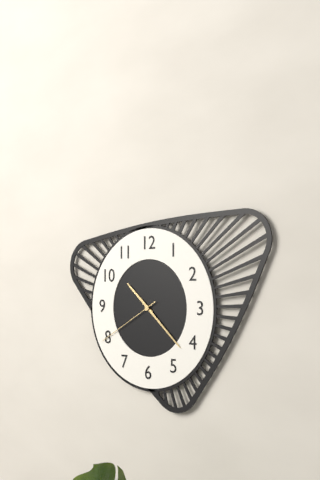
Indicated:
h=10 m=22 s=40
